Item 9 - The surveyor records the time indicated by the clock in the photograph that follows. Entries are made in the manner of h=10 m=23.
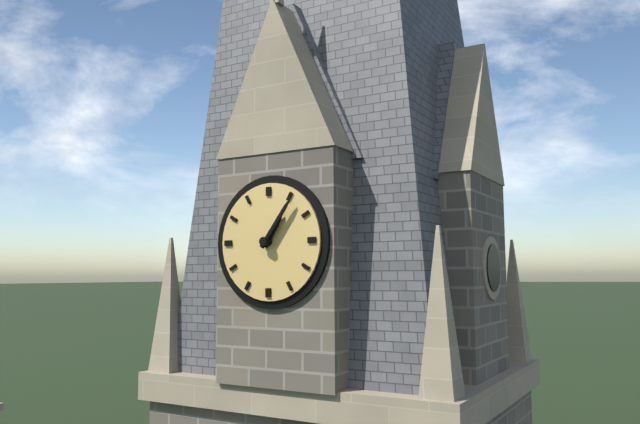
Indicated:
h=1 m=6
